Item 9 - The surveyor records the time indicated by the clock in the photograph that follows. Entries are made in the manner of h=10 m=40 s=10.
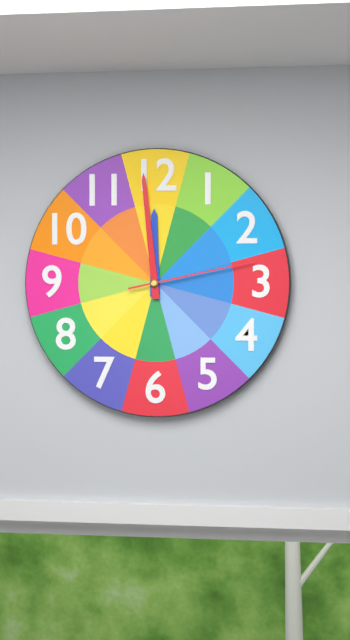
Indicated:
h=11 m=59 s=13
